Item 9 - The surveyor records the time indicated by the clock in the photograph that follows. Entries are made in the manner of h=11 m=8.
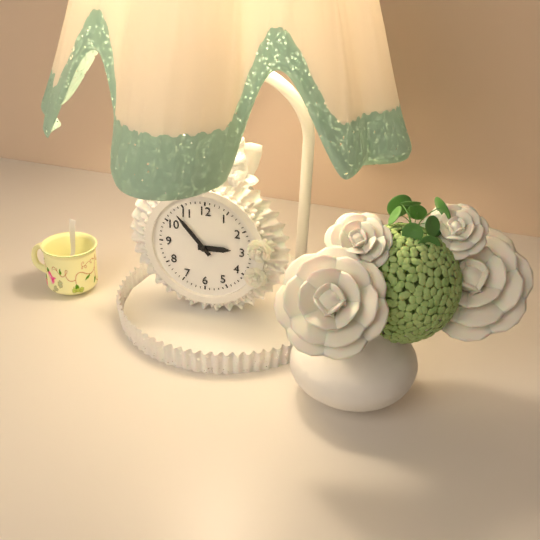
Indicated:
h=2 m=53
